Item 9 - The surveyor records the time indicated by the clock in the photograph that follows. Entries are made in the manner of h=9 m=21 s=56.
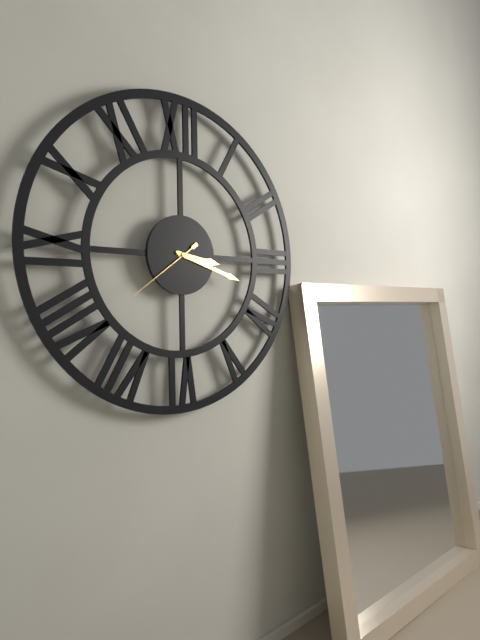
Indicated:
h=3 m=18 s=39
